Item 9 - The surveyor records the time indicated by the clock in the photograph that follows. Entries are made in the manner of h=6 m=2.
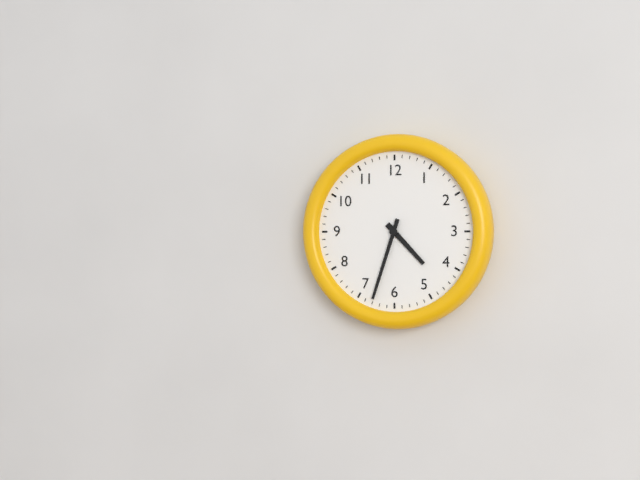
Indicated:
h=4 m=33
